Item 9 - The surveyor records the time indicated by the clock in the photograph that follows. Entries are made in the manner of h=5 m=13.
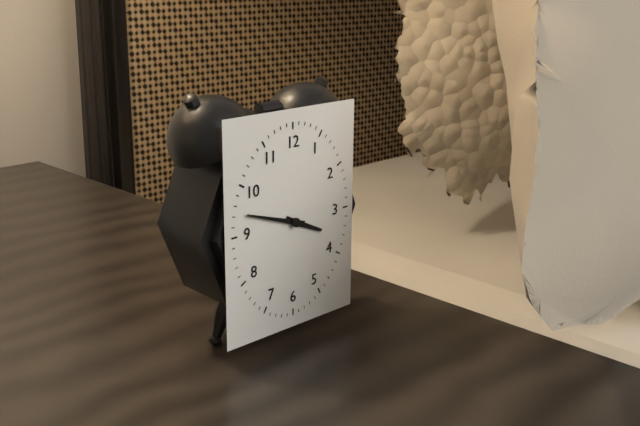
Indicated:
h=3 m=48
